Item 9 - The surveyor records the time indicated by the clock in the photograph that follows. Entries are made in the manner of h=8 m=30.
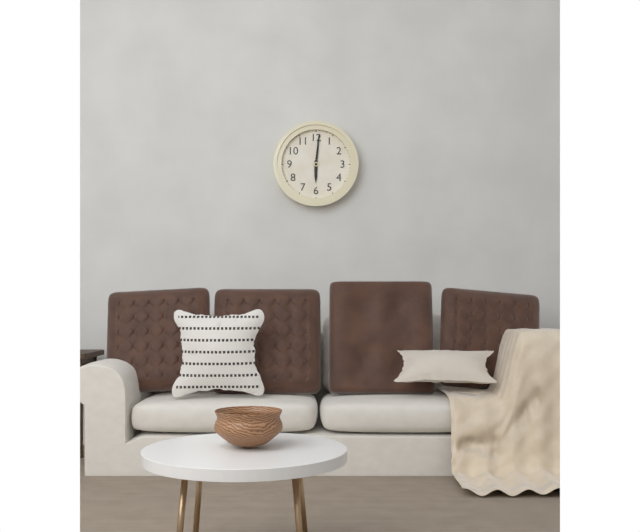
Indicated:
h=6 m=1
